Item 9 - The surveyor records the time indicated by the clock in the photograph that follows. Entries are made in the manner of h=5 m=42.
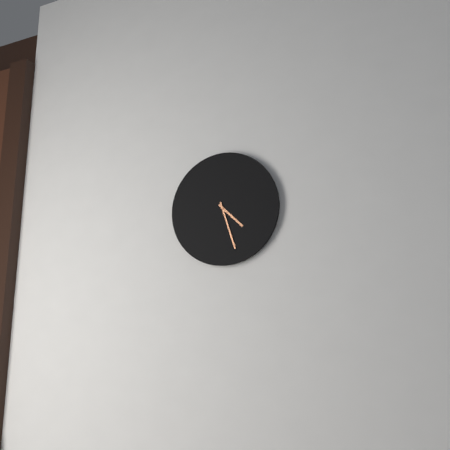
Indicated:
h=4 m=27
